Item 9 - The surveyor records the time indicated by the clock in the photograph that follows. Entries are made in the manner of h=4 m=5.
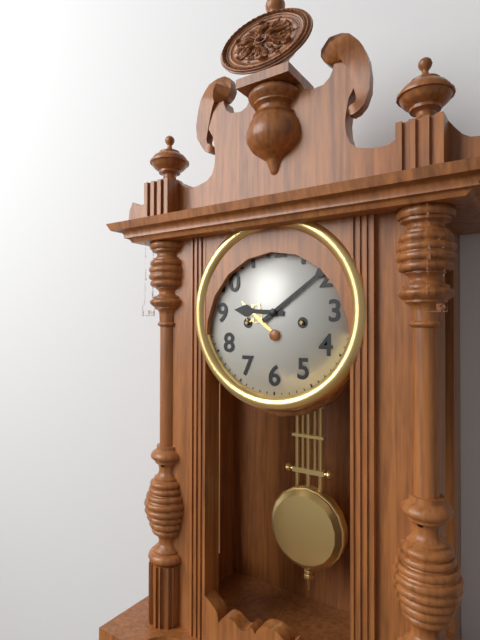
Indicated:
h=9 m=9
